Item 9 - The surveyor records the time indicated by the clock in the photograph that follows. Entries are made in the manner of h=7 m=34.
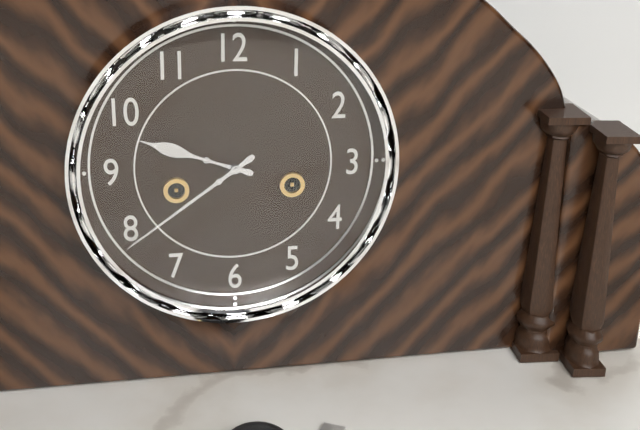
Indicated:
h=9 m=39
